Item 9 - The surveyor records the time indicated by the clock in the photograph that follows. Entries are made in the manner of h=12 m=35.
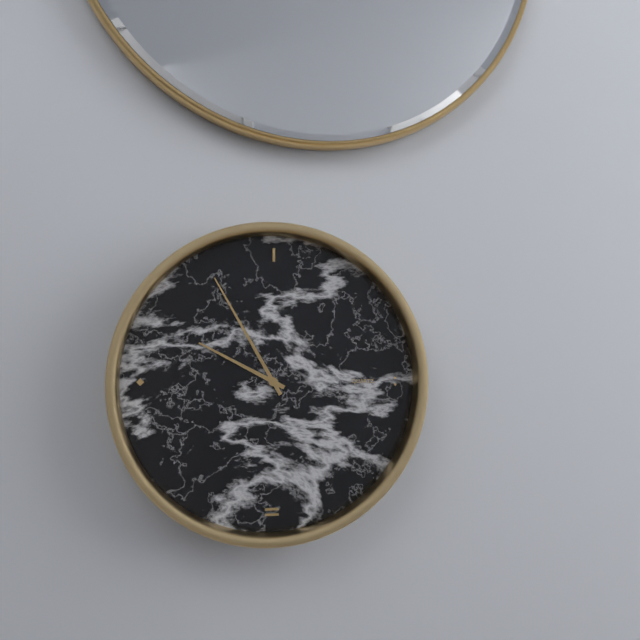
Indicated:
h=9 m=55
